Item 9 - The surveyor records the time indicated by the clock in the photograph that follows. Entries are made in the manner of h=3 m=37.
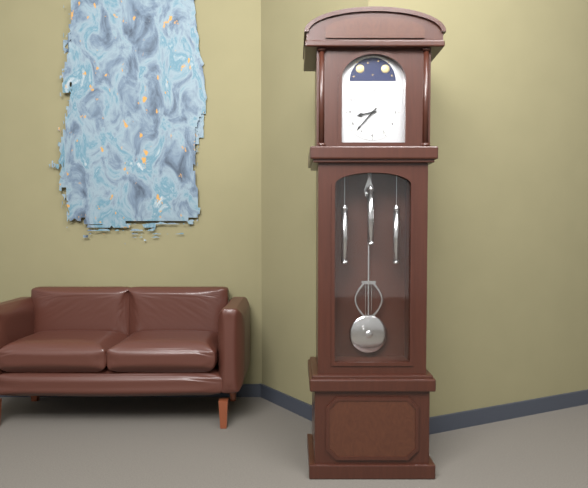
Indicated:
h=8 m=37
